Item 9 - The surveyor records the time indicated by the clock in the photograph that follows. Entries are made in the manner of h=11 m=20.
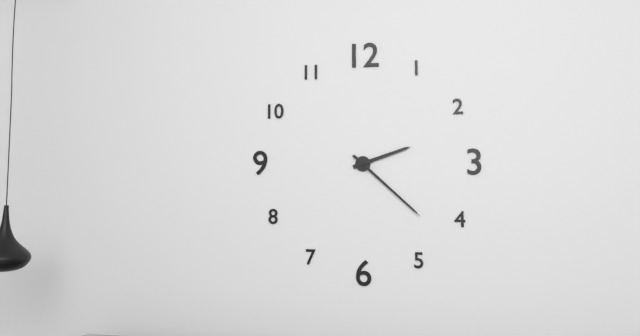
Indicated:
h=2 m=22
